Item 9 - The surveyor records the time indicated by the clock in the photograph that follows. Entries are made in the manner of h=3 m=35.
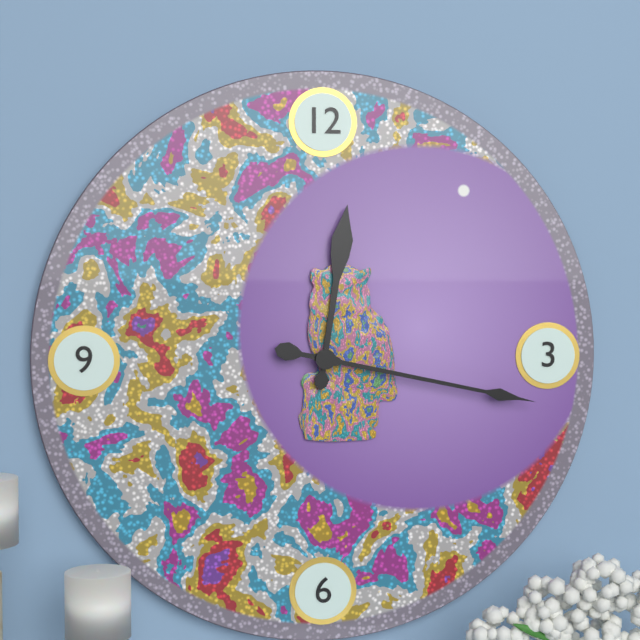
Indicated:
h=12 m=17
